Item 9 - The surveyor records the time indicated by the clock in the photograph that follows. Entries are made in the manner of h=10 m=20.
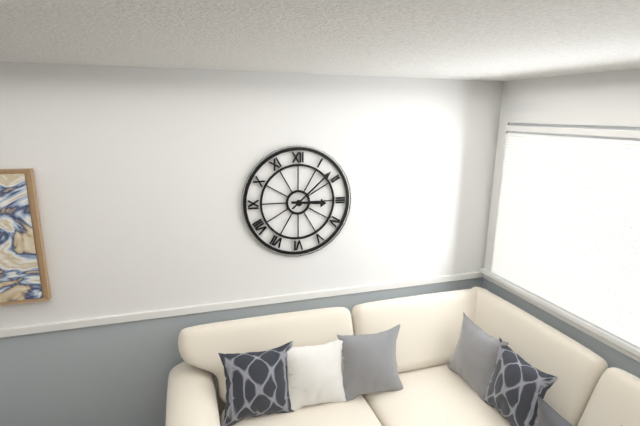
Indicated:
h=3 m=8
